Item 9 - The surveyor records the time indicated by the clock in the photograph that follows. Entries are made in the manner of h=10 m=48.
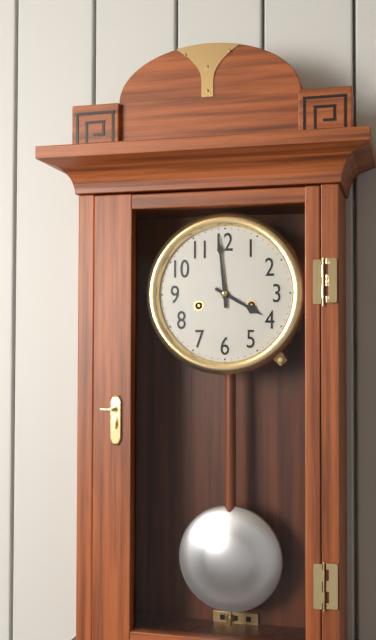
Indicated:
h=3 m=59
